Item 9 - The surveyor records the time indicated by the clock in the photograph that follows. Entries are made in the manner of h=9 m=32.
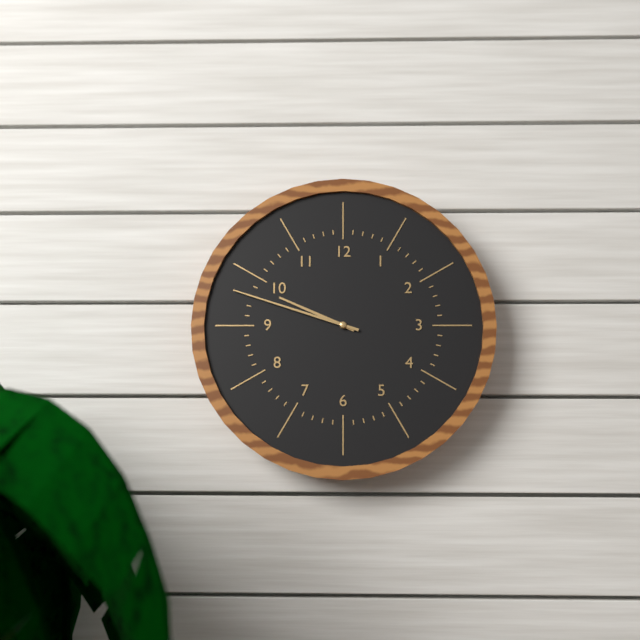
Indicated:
h=9 m=48
